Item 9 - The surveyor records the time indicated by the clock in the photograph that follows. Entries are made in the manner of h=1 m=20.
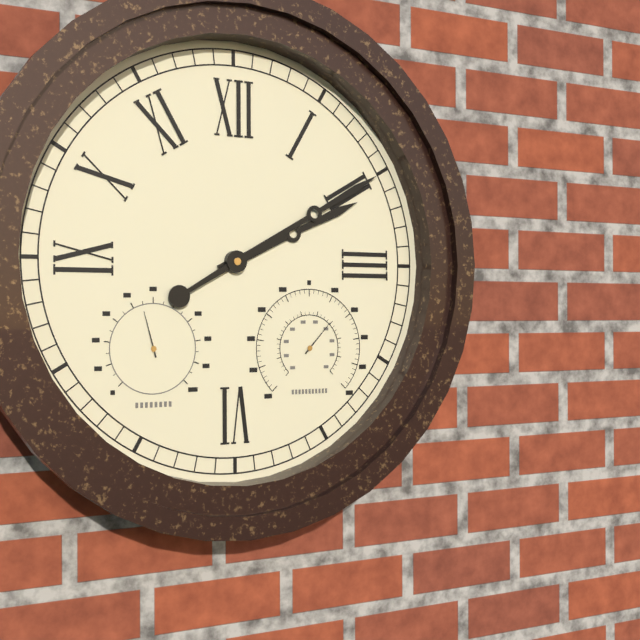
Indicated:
h=2 m=10
